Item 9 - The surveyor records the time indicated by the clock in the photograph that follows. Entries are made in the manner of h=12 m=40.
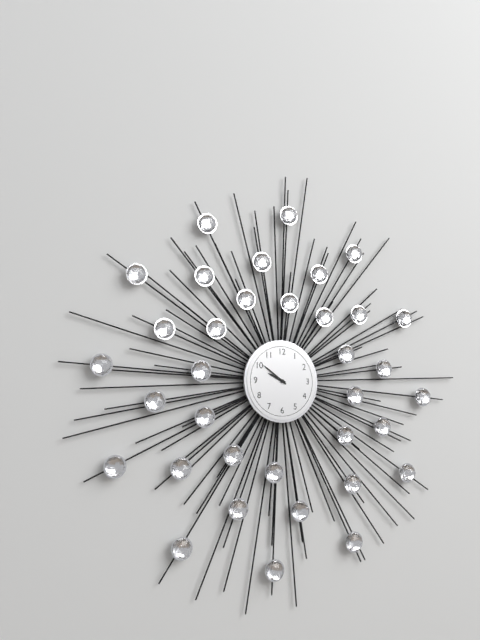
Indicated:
h=9 m=51
